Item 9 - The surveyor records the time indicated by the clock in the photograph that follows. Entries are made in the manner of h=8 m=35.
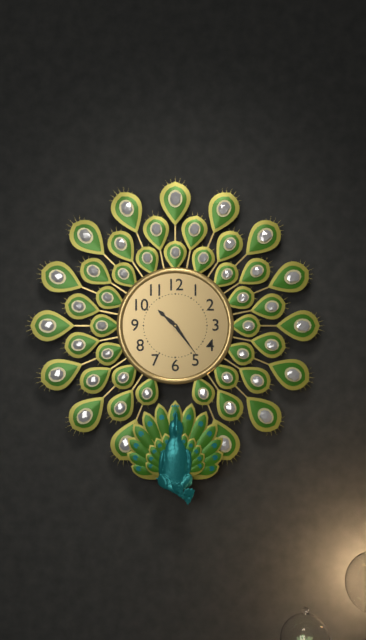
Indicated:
h=10 m=24
